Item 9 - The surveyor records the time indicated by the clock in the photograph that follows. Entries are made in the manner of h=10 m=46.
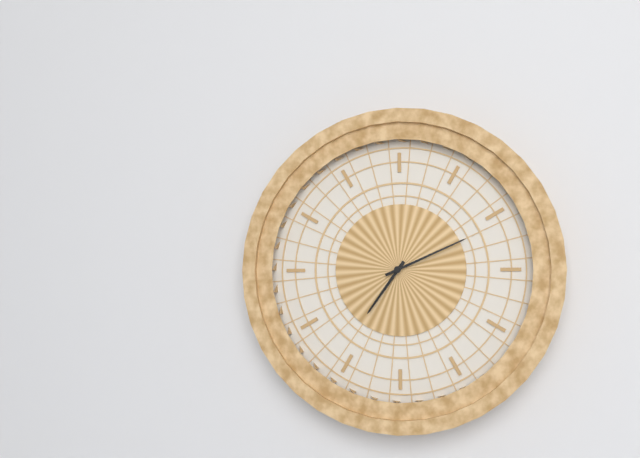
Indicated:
h=7 m=11
